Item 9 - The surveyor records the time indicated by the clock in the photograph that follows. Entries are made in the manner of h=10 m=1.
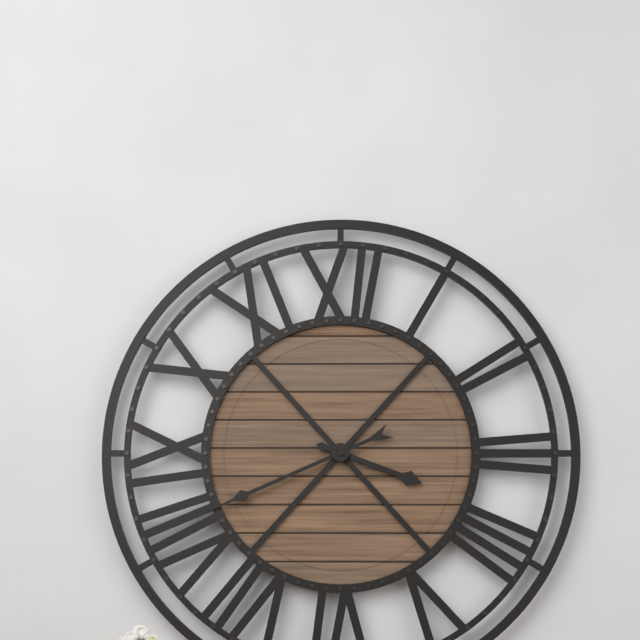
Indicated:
h=3 m=41
